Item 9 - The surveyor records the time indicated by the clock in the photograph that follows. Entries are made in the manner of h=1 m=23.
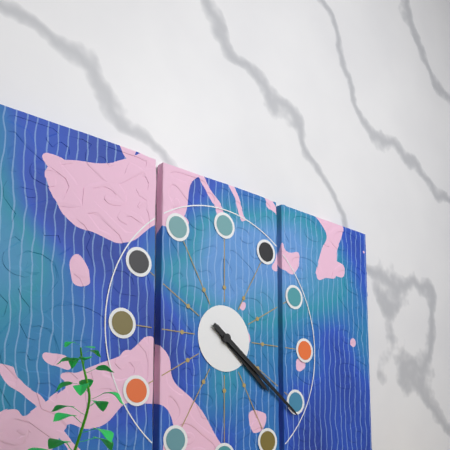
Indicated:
h=4 m=21
